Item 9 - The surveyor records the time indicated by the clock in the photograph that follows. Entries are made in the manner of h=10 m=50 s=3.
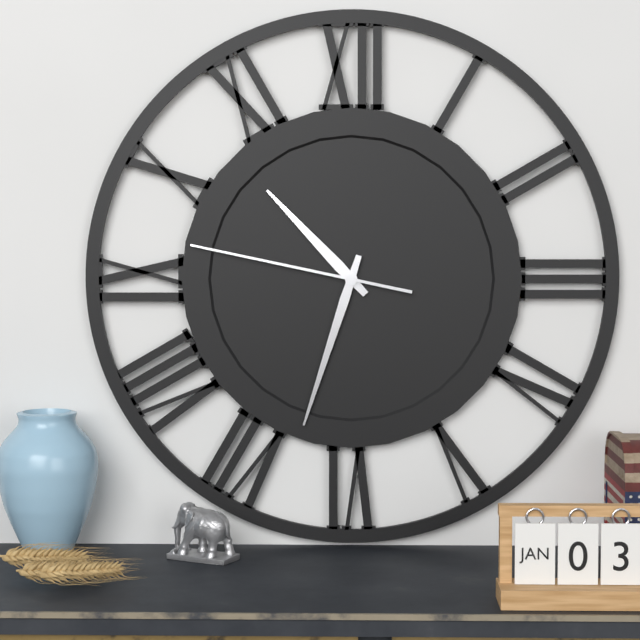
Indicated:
h=10 m=33 s=47
